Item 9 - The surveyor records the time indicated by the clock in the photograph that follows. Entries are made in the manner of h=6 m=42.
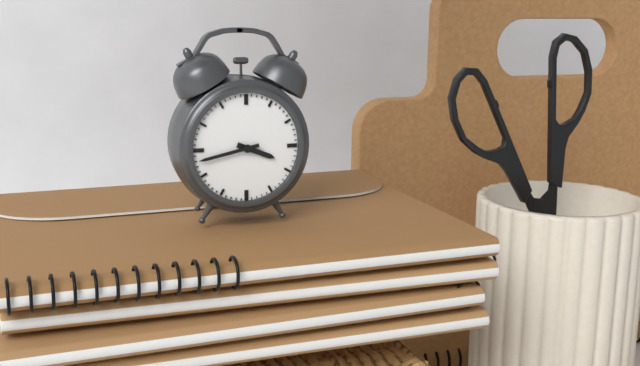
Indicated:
h=3 m=43
